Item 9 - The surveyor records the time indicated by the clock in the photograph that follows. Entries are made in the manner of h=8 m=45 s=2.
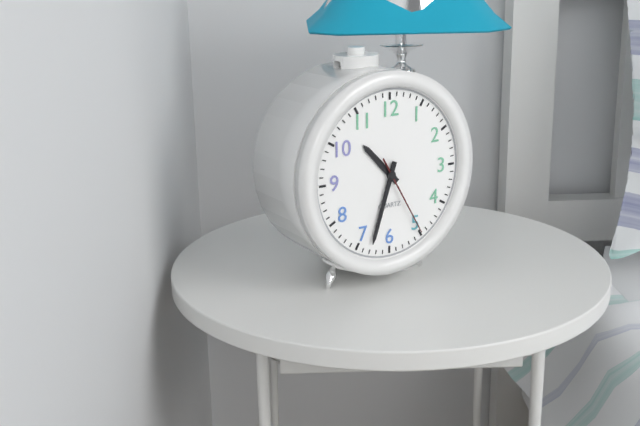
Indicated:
h=10 m=33 s=25
